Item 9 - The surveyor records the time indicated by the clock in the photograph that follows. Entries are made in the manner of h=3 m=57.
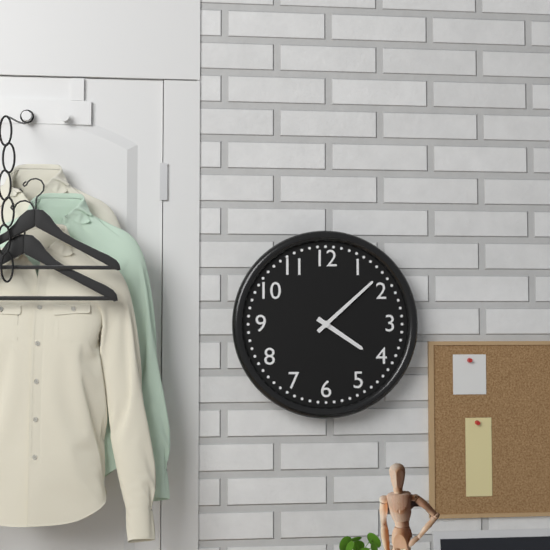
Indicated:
h=4 m=8
